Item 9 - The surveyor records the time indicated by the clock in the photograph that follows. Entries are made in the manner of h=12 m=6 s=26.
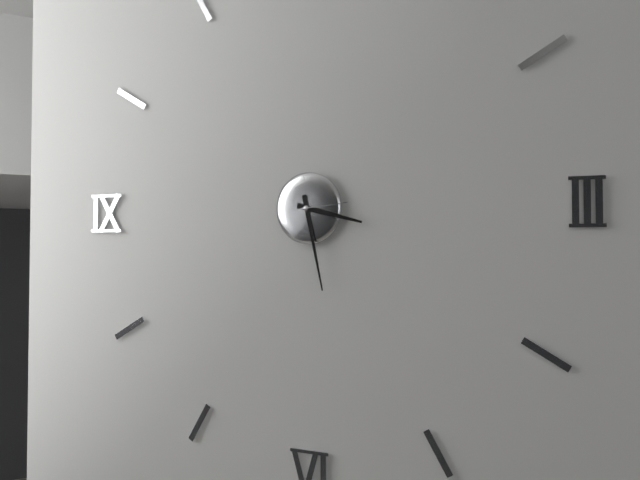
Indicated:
h=3 m=28 s=14
